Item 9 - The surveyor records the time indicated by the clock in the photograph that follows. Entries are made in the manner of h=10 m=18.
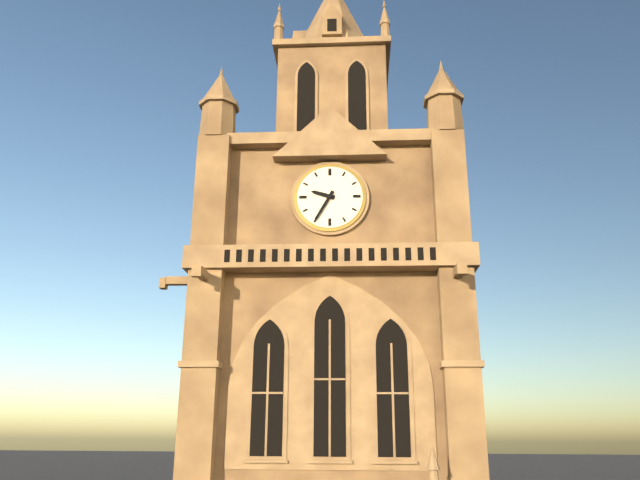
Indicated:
h=9 m=35
